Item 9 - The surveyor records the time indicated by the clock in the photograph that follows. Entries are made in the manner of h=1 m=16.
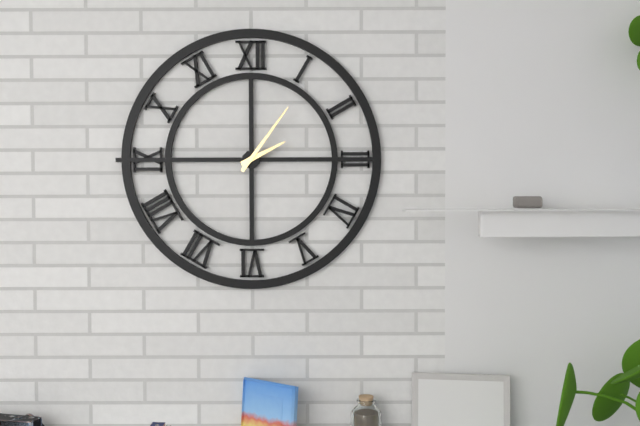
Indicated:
h=2 m=6
